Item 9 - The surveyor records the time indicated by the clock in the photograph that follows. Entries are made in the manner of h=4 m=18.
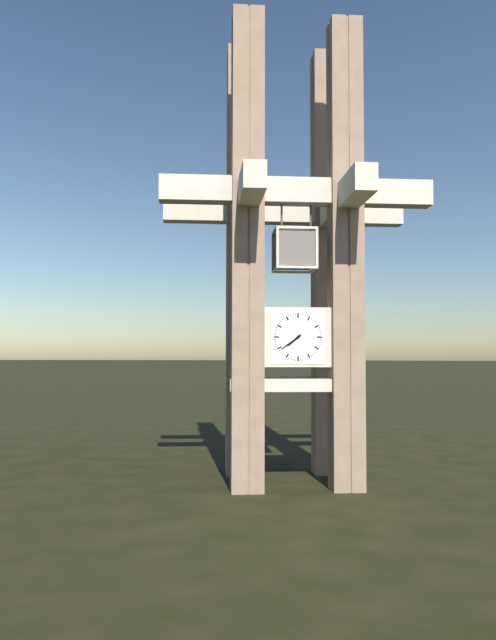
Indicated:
h=7 m=39
